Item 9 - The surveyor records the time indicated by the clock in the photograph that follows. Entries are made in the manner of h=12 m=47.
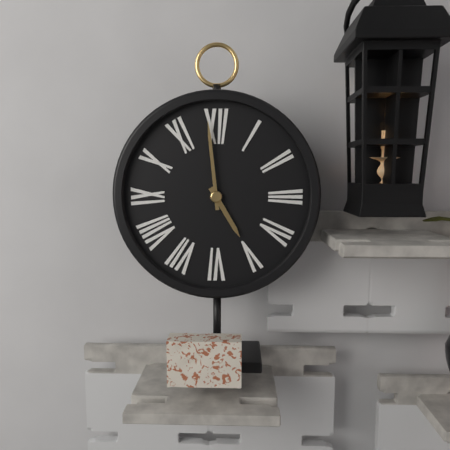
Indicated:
h=4 m=59
